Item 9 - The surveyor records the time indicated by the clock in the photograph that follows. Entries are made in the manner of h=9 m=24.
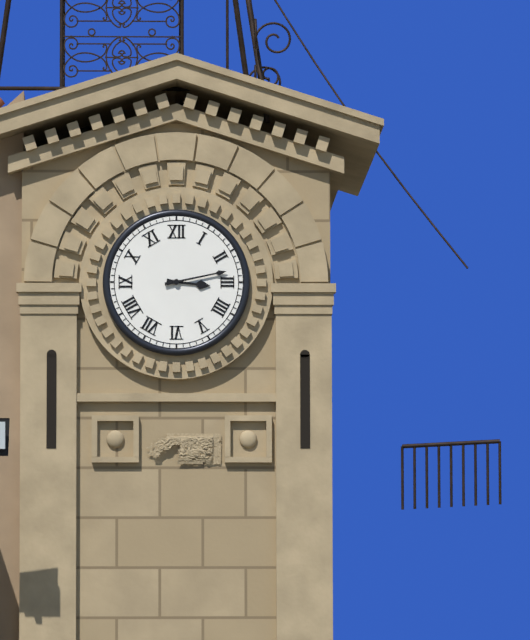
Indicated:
h=3 m=13
